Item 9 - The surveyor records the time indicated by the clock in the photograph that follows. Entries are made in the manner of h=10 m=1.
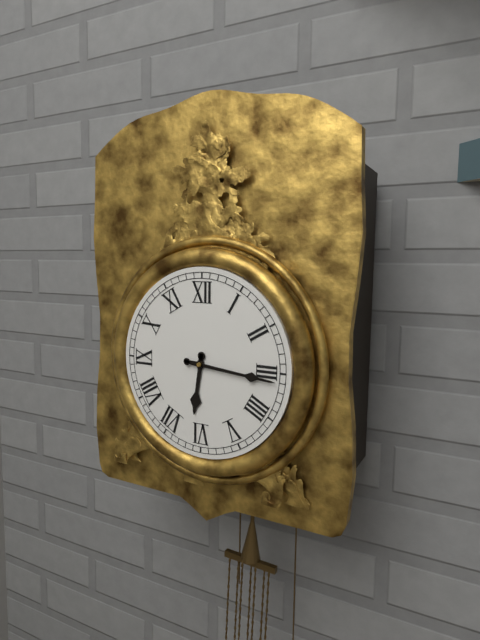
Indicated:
h=6 m=16
